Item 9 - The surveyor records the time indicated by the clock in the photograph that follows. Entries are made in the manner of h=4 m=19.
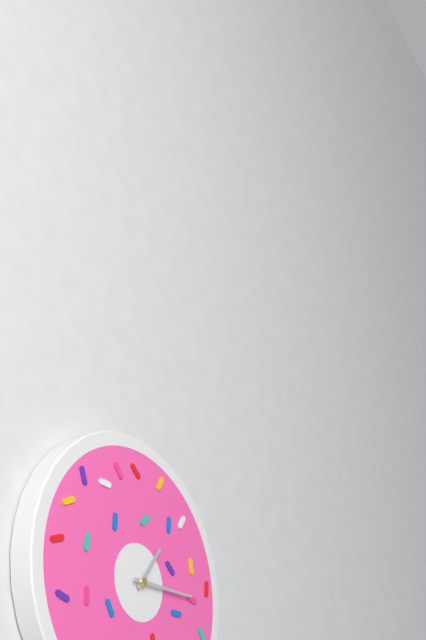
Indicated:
h=1 m=15
